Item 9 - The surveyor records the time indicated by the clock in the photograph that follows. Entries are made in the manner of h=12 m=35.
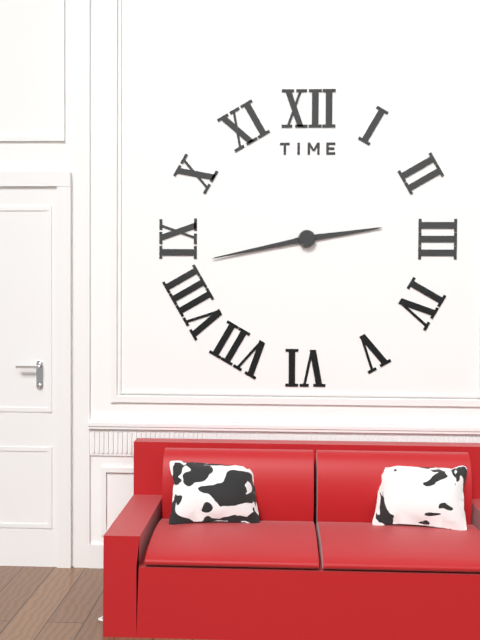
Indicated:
h=2 m=43
